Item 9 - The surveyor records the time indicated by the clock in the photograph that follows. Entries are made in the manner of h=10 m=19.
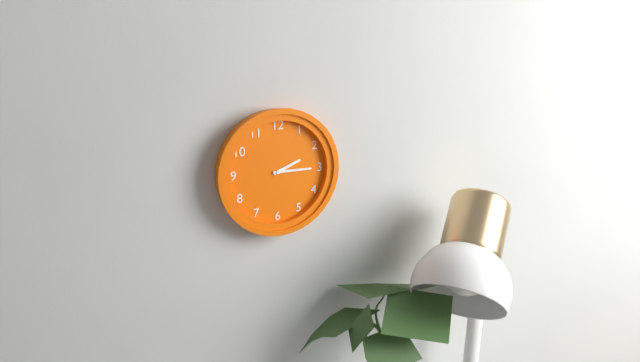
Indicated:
h=2 m=15
